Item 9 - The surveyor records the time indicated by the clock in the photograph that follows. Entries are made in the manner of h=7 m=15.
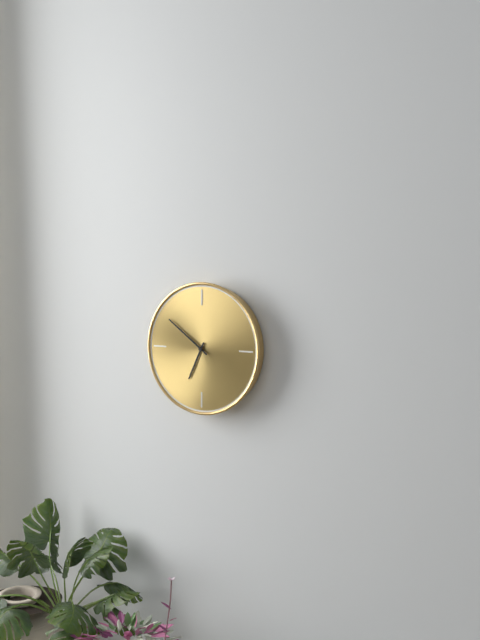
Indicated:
h=6 m=51
